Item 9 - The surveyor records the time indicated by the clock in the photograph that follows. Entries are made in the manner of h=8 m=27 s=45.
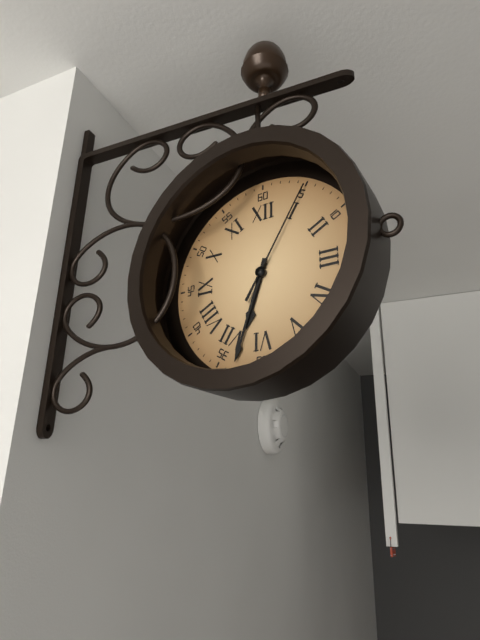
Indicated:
h=6 m=33 s=5
